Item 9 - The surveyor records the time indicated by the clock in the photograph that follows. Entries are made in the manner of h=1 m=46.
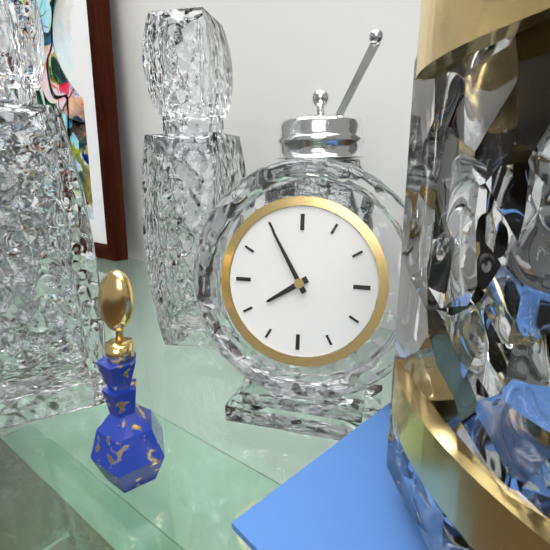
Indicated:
h=7 m=55
